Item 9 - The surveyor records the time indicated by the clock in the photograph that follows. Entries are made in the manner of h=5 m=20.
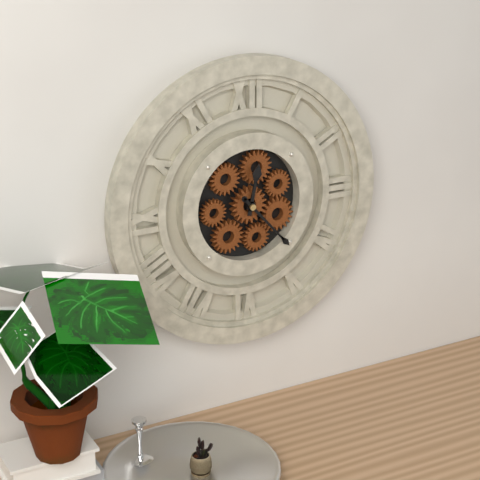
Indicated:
h=12 m=23
